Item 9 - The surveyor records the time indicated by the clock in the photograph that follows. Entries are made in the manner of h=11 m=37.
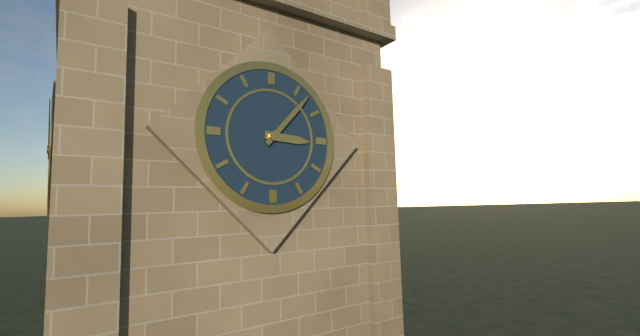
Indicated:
h=3 m=7
